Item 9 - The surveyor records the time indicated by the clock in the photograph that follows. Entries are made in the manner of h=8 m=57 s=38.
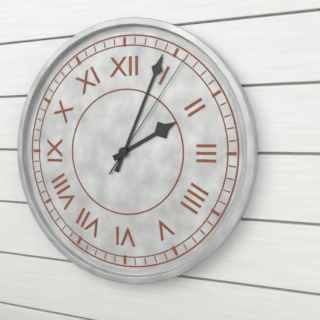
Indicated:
h=2 m=4 s=6
